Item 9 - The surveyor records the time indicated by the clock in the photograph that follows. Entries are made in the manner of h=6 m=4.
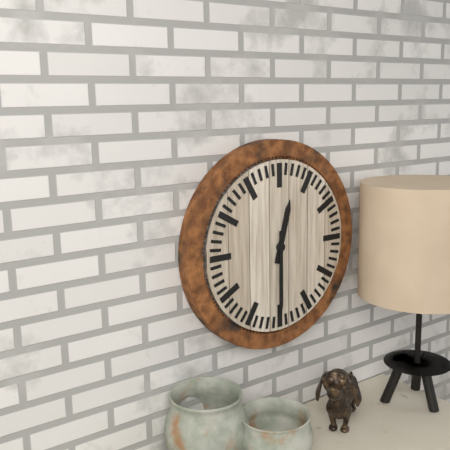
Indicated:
h=12 m=30
